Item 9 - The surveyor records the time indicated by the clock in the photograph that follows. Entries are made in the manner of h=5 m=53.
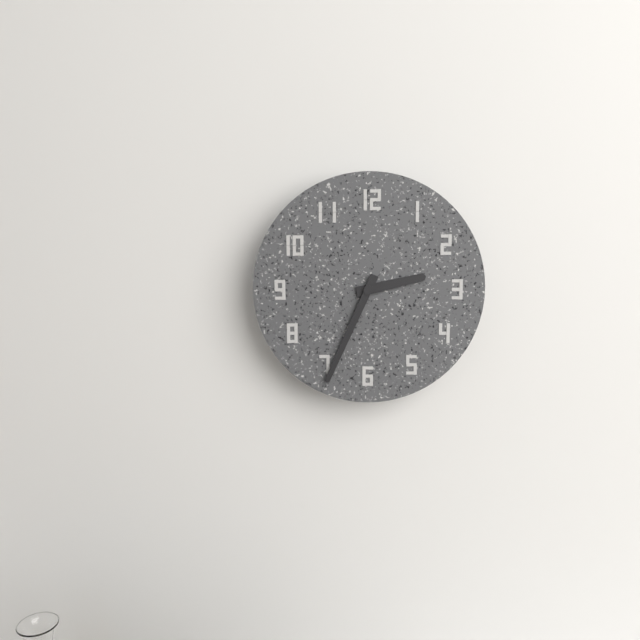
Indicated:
h=2 m=34
